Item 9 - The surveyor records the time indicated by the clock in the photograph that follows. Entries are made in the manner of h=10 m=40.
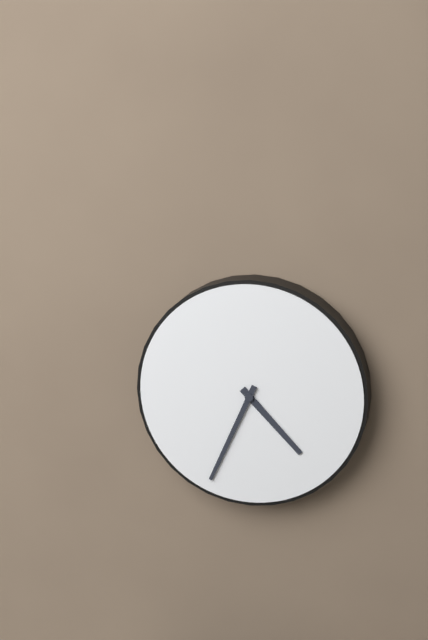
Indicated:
h=4 m=34
